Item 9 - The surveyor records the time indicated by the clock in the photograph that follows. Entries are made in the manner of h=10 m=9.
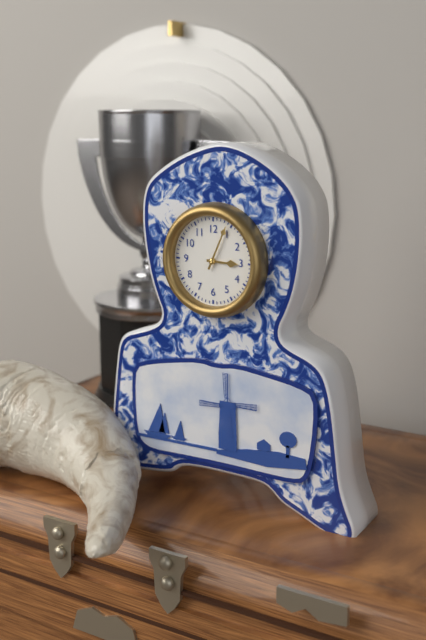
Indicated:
h=3 m=4
